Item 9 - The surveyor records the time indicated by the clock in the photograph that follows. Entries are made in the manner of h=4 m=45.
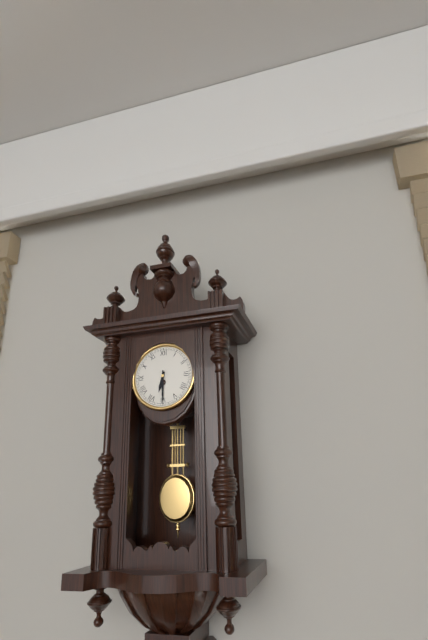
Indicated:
h=6 m=30
